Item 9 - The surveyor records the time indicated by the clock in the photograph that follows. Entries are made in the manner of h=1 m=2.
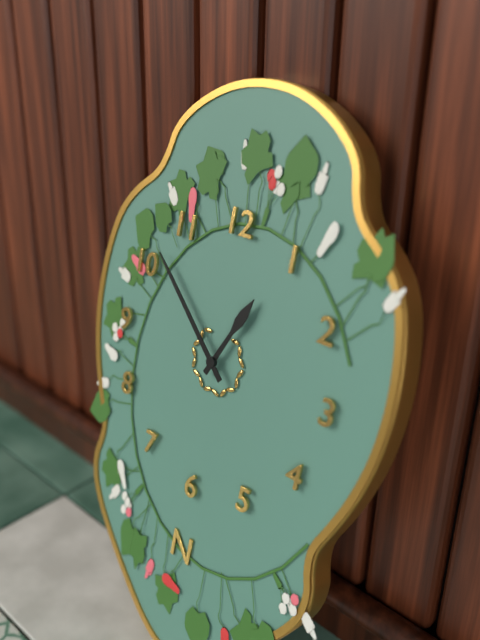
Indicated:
h=12 m=52
